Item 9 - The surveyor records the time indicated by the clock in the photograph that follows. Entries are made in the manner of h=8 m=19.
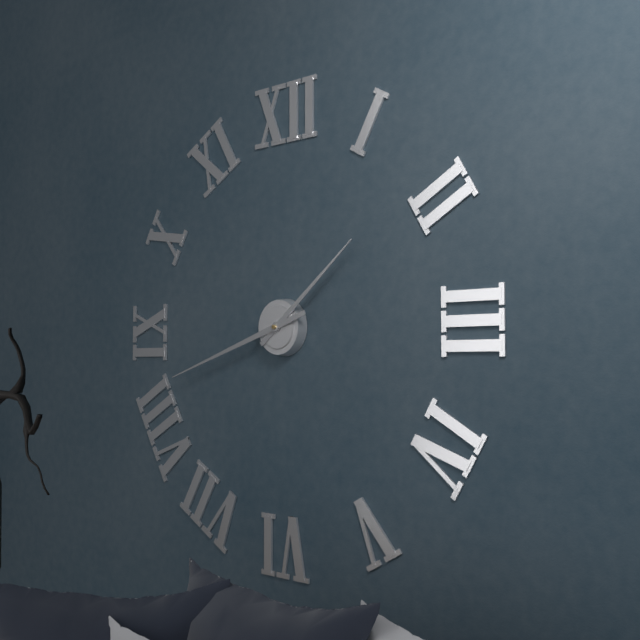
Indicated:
h=1 m=42
